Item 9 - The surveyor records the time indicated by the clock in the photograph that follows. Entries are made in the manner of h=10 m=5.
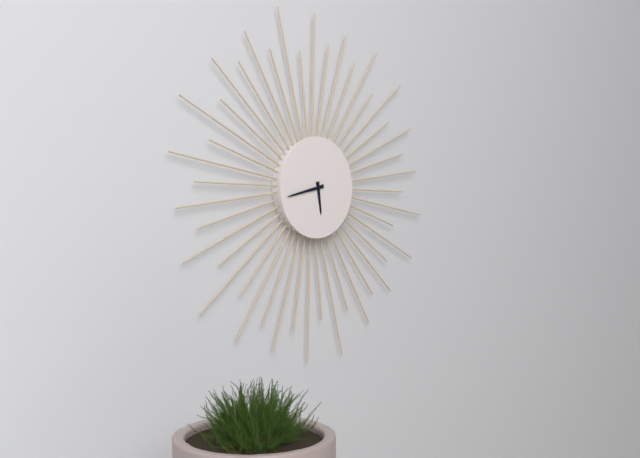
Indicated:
h=5 m=43
